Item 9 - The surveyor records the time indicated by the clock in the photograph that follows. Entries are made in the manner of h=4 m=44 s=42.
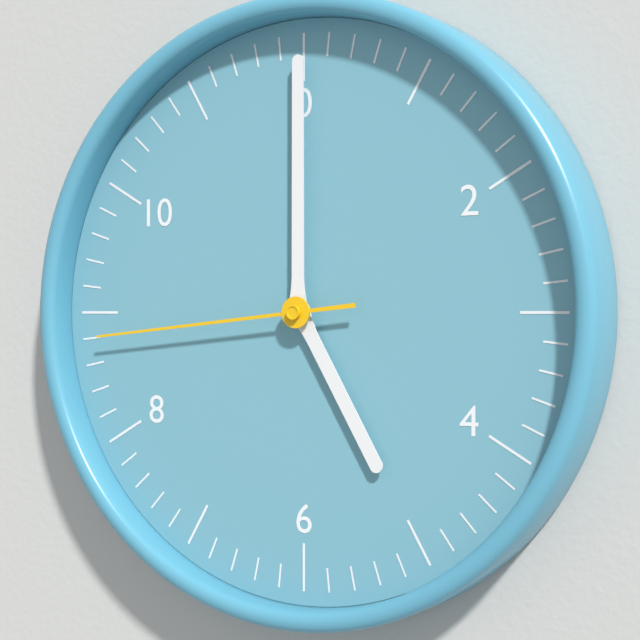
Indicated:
h=5 m=0 s=44
